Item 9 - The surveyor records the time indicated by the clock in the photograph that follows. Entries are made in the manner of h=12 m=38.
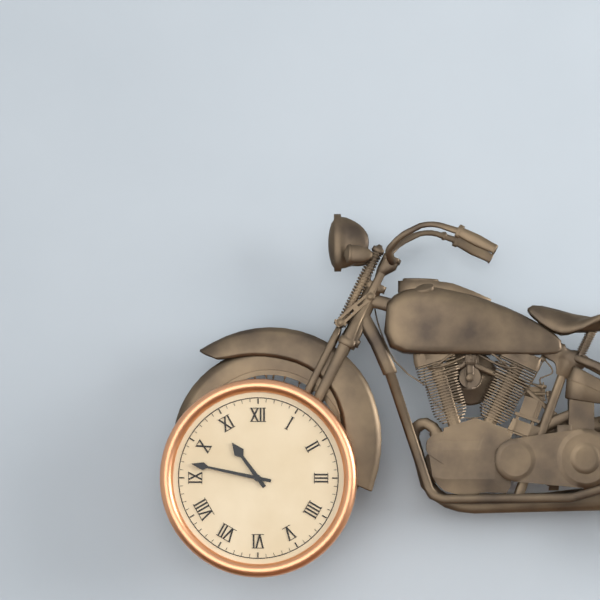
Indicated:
h=10 m=47
